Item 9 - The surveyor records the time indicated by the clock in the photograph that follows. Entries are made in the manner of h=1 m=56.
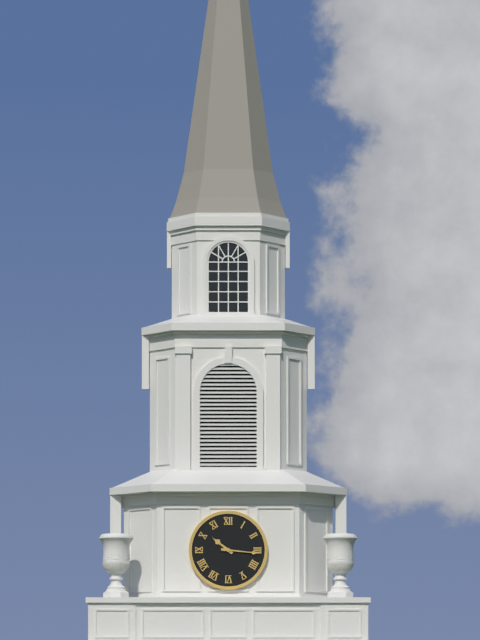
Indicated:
h=10 m=16
